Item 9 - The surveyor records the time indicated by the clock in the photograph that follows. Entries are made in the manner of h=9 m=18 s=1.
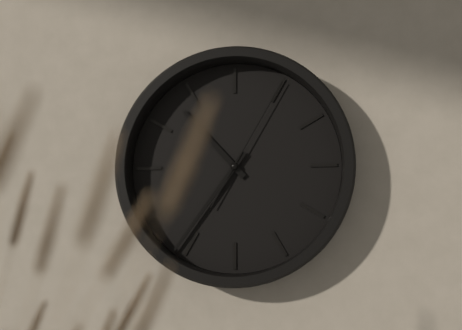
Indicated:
h=10 m=36 s=5
